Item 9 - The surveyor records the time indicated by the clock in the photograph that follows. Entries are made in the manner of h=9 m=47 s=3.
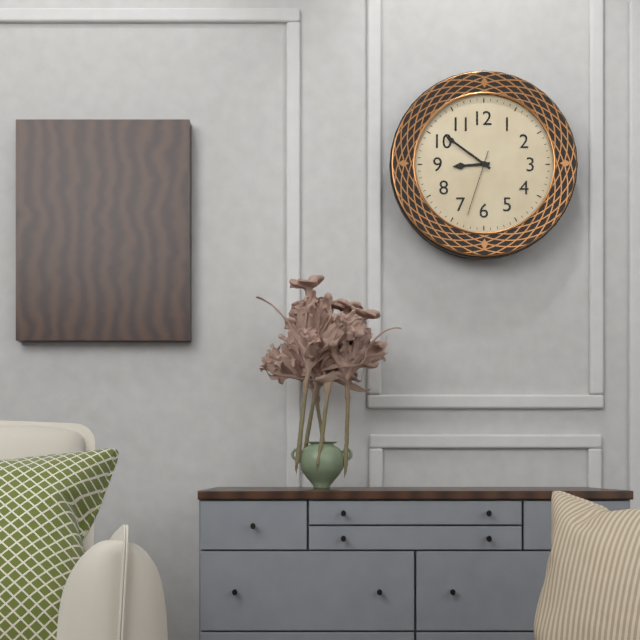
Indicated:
h=8 m=51 s=33
